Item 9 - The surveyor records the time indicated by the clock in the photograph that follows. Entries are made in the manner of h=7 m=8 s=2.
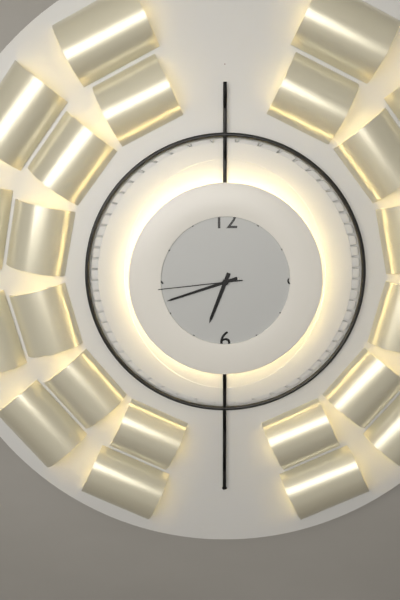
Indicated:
h=6 m=42 s=44
